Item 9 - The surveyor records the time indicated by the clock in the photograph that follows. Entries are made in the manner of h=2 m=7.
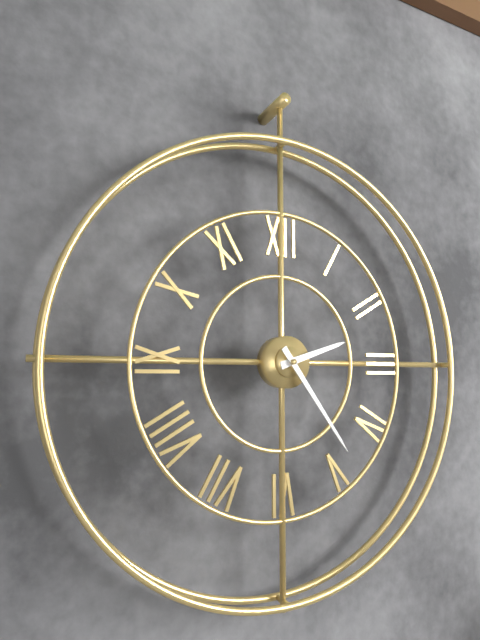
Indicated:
h=2 m=24
